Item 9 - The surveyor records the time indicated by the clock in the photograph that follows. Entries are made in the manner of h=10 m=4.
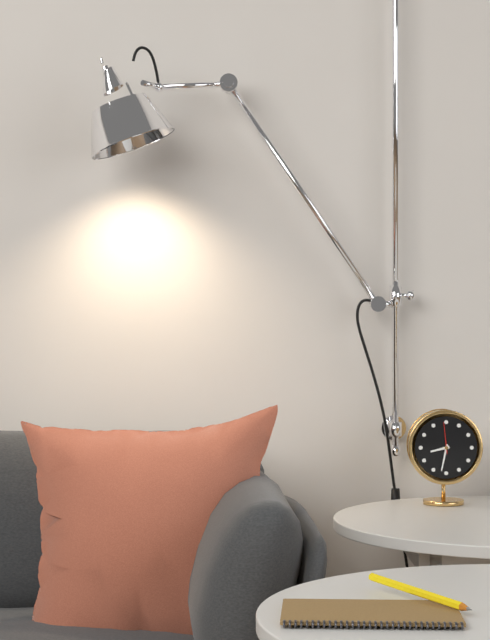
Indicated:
h=8 m=32
